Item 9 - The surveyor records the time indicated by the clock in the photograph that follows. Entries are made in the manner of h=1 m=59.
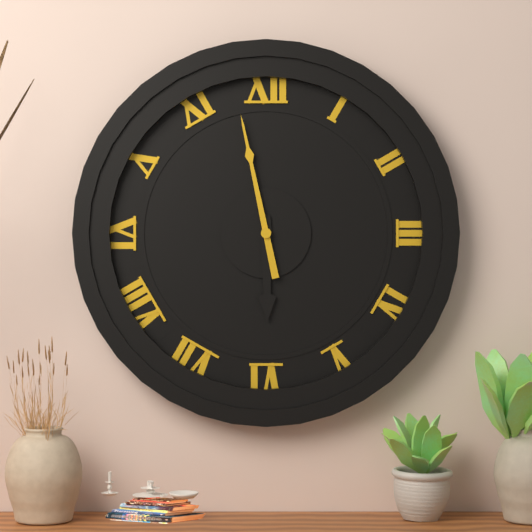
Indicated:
h=5 m=58
